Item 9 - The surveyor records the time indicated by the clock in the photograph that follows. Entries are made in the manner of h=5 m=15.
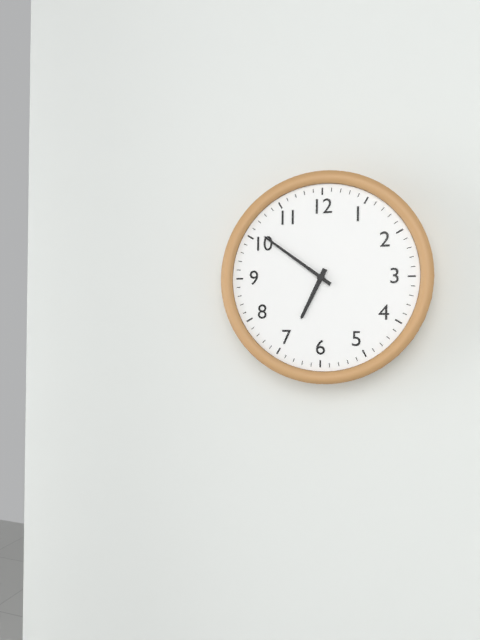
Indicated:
h=6 m=51
